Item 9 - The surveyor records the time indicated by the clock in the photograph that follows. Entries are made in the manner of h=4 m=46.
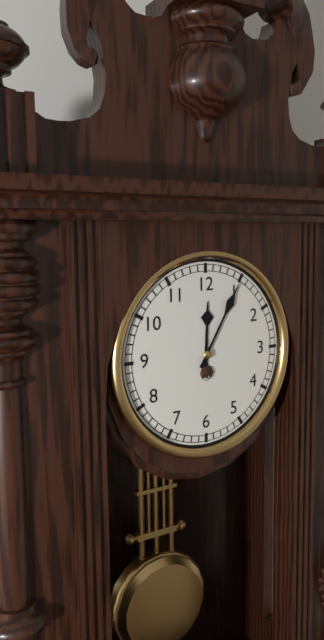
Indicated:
h=12 m=5
